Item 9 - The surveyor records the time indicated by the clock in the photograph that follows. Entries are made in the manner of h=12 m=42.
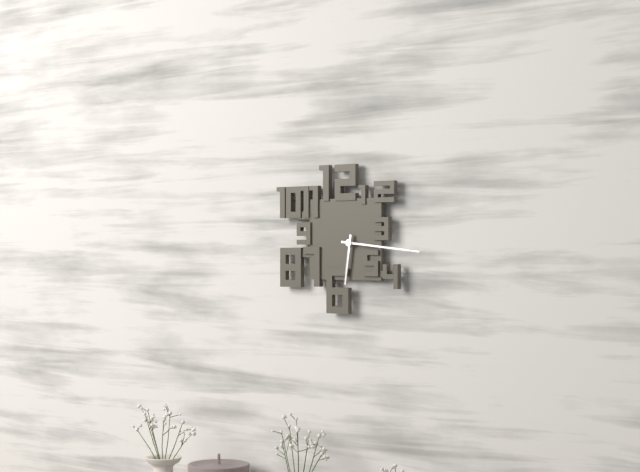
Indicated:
h=6 m=16
